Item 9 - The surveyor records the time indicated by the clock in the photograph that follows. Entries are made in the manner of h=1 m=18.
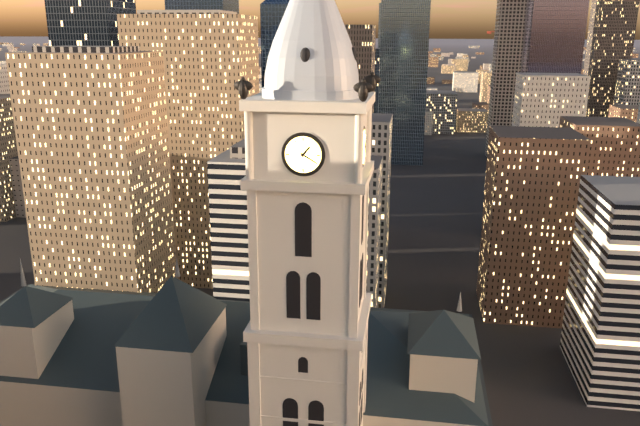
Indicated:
h=1 m=20
